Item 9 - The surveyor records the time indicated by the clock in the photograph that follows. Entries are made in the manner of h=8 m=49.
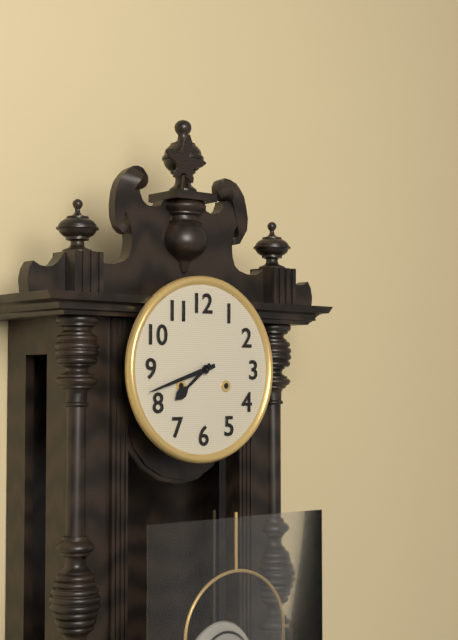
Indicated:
h=7 m=42
